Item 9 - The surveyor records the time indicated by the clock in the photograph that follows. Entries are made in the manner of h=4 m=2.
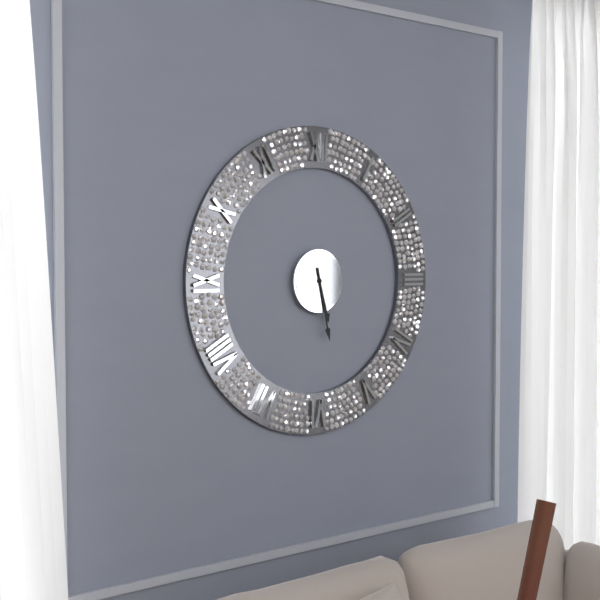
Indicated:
h=5 m=28
